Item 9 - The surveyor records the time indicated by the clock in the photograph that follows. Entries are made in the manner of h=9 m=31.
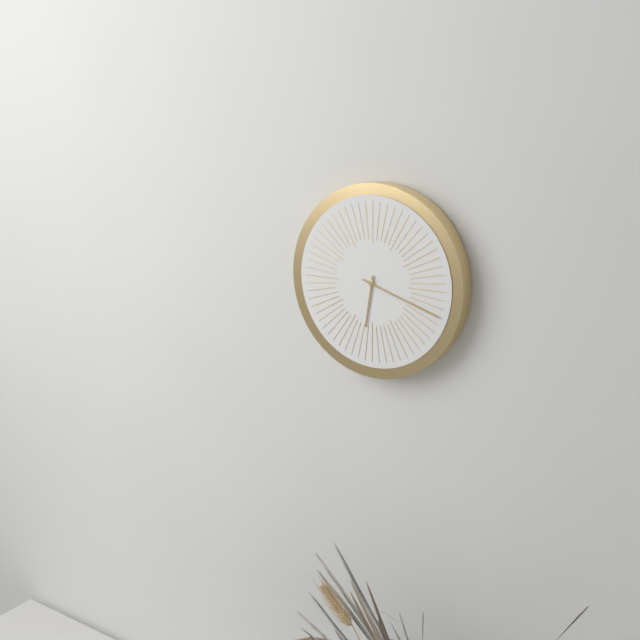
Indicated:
h=6 m=18
